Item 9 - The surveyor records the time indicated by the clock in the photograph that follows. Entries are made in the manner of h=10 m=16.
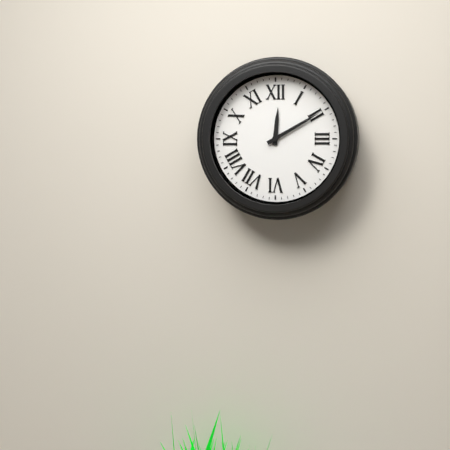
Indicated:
h=12 m=10
